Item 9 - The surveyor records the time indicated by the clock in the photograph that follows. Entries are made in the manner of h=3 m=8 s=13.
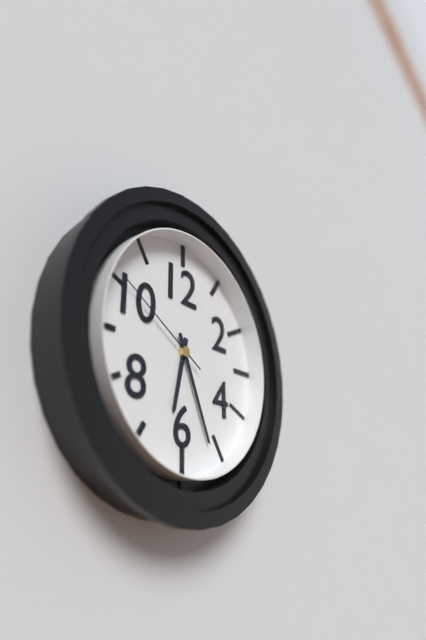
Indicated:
h=6 m=26 s=50
